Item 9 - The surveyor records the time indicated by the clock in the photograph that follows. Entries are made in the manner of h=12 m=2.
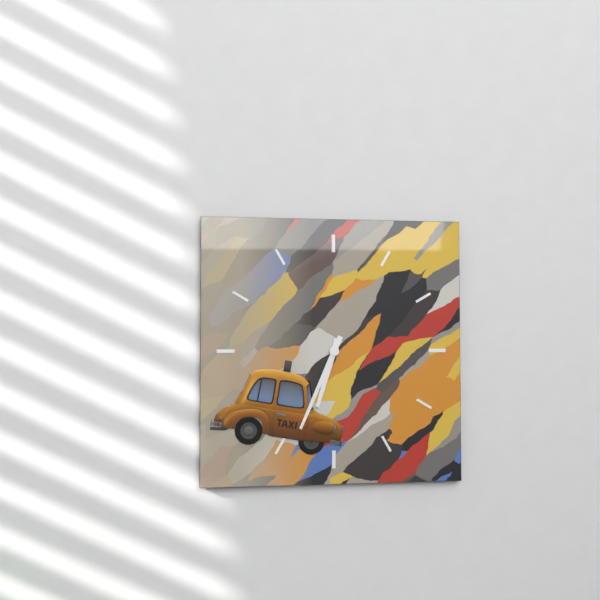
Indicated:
h=6 m=34
